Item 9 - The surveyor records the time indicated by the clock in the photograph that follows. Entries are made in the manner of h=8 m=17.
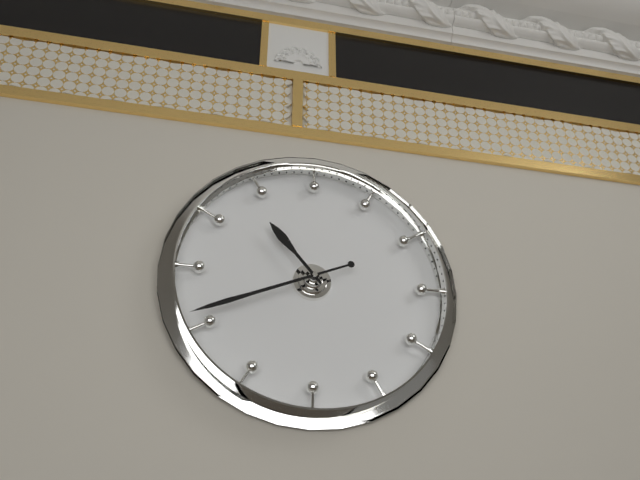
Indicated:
h=10 m=41
